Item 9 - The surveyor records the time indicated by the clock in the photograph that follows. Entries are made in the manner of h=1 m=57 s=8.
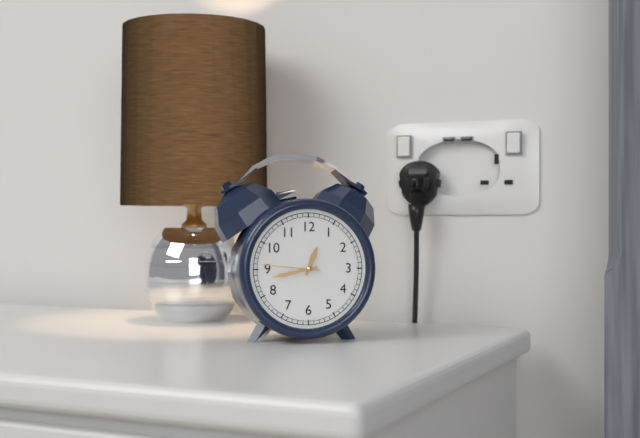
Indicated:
h=12 m=43 s=46
